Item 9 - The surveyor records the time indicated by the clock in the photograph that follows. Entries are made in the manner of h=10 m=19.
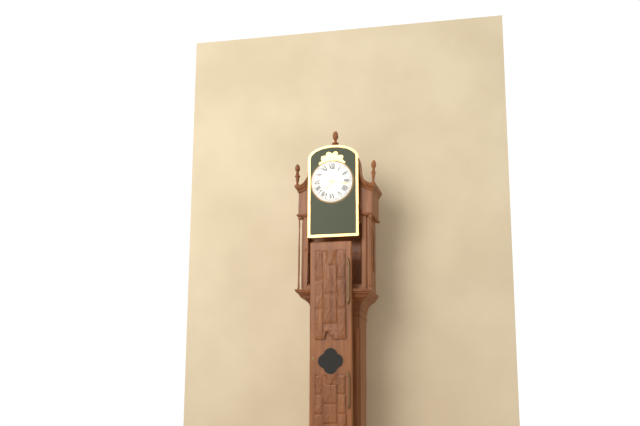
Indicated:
h=7 m=17
